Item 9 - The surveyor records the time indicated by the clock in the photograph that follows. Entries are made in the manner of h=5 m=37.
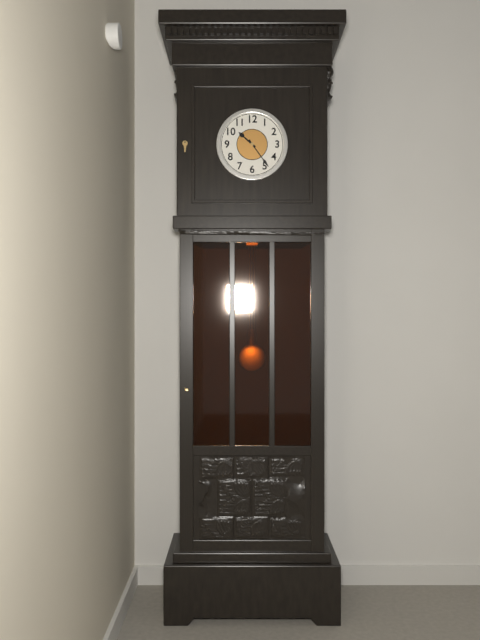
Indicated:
h=10 m=24
